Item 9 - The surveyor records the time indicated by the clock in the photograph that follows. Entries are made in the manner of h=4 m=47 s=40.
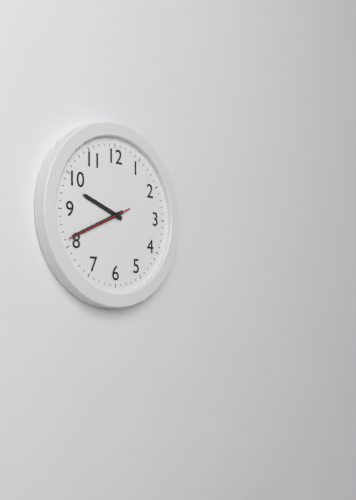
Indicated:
h=9 m=41 s=41
